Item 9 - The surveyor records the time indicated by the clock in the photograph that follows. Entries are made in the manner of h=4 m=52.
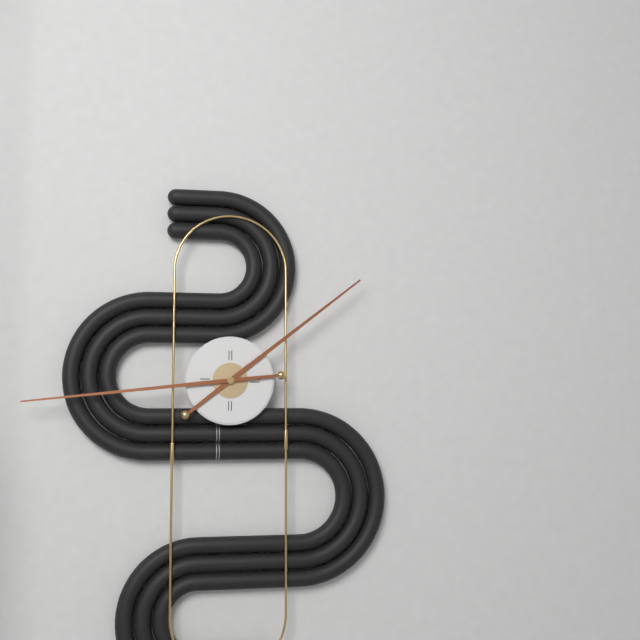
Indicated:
h=1 m=44
